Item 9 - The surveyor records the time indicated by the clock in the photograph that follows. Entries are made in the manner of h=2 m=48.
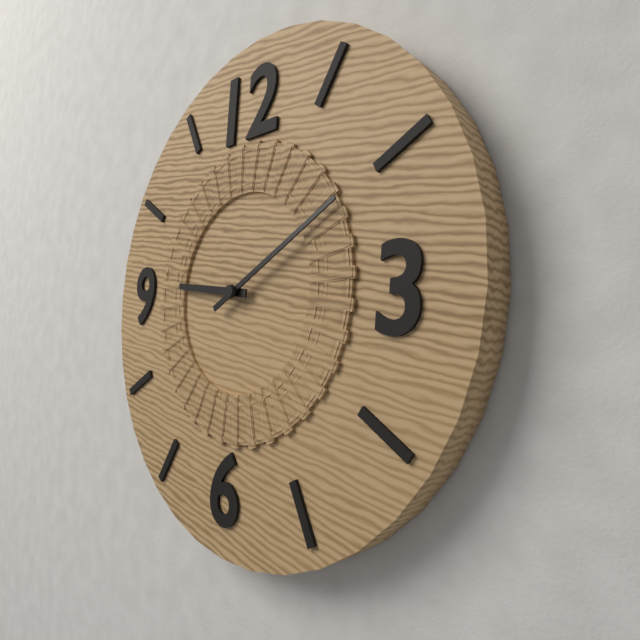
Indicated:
h=9 m=10
